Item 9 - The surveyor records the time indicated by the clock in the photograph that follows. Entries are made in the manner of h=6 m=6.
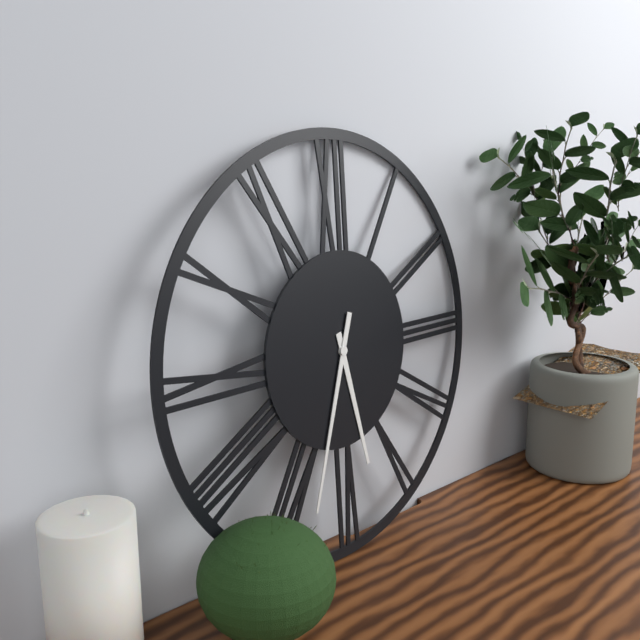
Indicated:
h=5 m=33
